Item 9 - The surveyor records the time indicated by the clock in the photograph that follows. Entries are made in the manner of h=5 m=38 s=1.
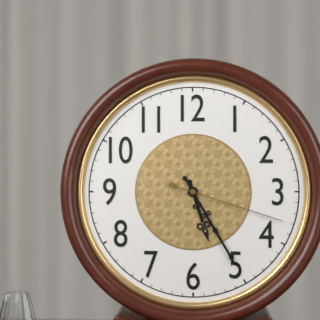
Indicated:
h=5 m=25 s=18
